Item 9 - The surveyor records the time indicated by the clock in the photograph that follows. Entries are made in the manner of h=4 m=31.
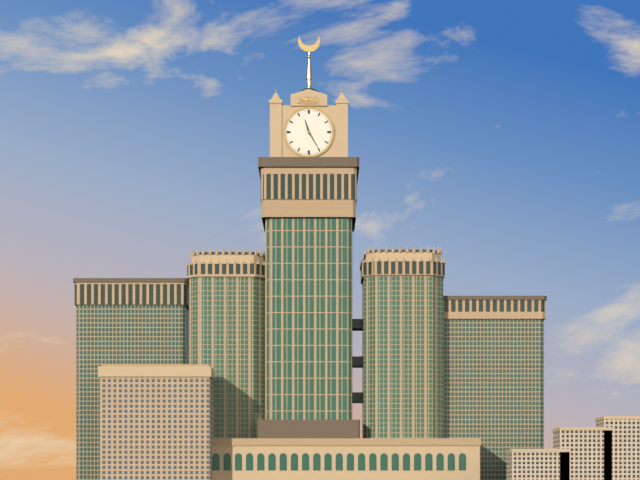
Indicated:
h=11 m=25
